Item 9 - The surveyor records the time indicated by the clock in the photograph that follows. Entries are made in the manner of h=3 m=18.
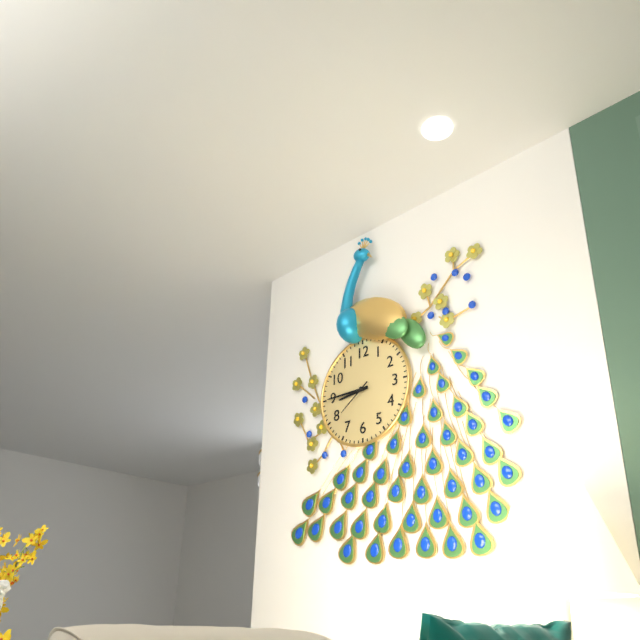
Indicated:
h=8 m=45
